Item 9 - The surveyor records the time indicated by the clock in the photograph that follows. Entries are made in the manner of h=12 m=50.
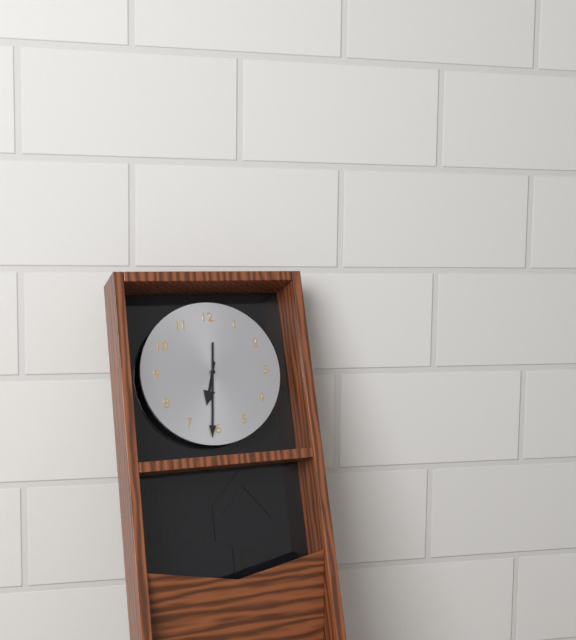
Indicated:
h=6 m=31
